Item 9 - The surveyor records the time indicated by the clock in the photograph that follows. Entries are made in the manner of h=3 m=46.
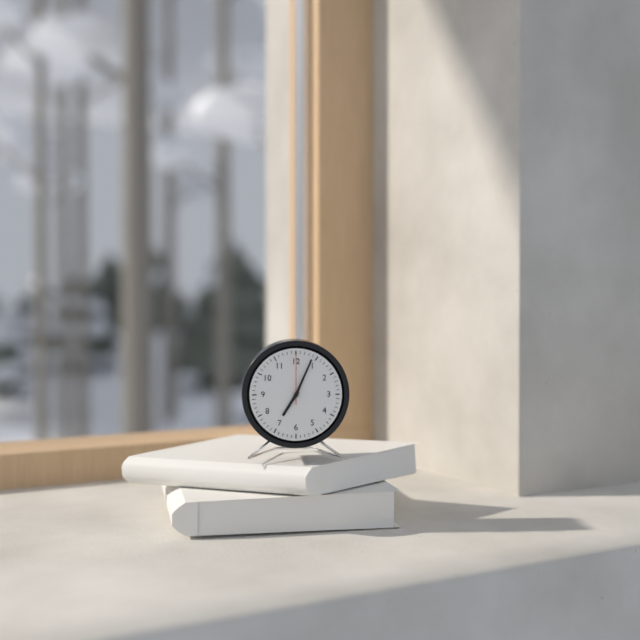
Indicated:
h=7 m=4
